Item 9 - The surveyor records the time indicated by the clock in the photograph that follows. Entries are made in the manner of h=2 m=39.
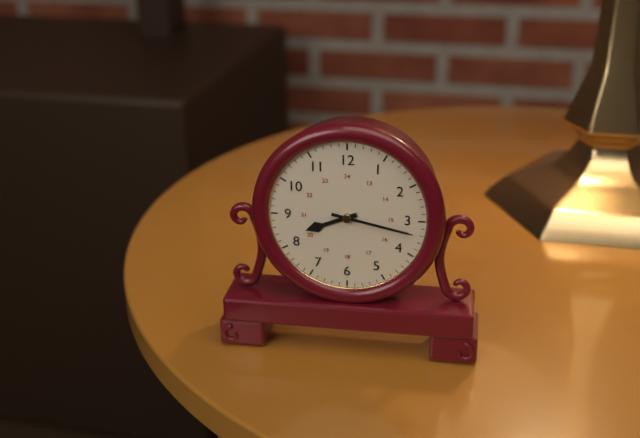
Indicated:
h=8 m=17
